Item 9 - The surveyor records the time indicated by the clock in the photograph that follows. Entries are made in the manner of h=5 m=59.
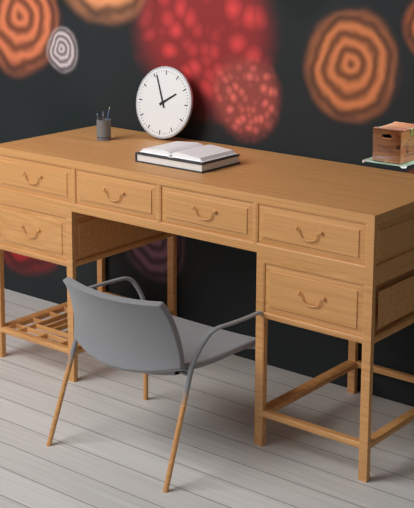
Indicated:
h=1 m=56
